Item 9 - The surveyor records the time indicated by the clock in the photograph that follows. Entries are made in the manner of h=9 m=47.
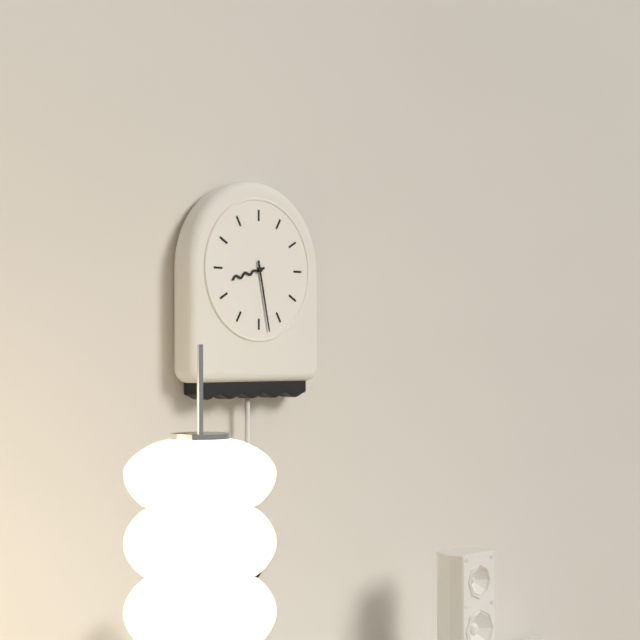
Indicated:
h=8 m=28
